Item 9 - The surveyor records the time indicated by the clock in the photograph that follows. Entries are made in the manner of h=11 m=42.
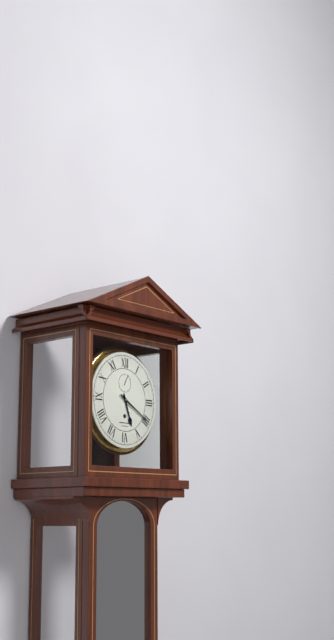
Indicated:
h=5 m=20
